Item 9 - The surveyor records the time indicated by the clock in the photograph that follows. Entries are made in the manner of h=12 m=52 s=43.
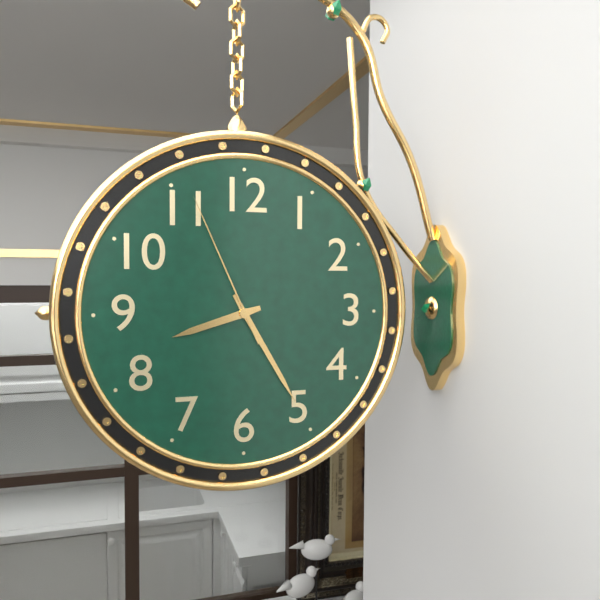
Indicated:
h=8 m=25 s=56
